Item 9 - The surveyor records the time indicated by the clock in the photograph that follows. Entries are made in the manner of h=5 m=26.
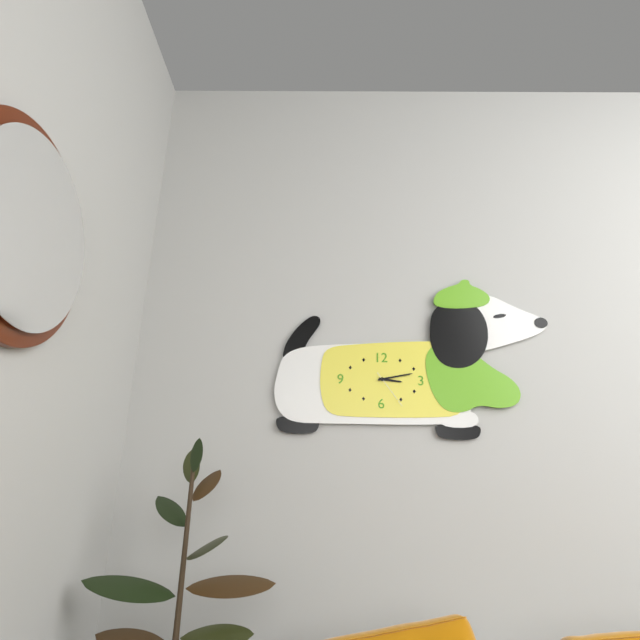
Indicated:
h=3 m=13
